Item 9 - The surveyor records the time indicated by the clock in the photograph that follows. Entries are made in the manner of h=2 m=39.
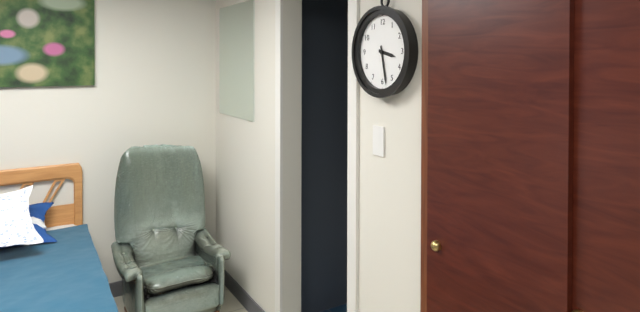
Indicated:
h=3 m=28
